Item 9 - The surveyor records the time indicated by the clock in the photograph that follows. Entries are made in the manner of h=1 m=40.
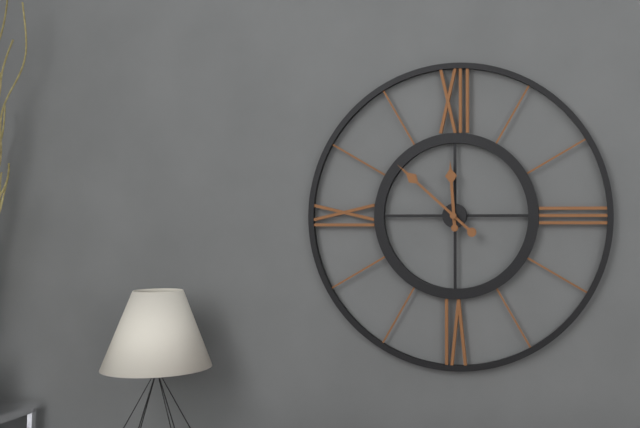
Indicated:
h=11 m=52
